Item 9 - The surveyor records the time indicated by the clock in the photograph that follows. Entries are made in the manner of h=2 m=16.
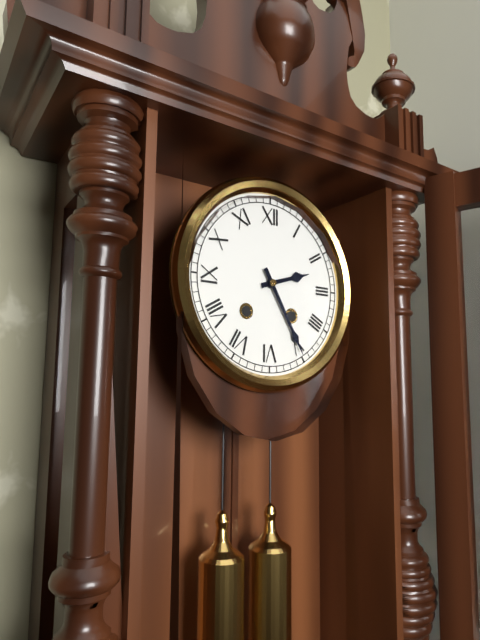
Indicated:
h=2 m=25
